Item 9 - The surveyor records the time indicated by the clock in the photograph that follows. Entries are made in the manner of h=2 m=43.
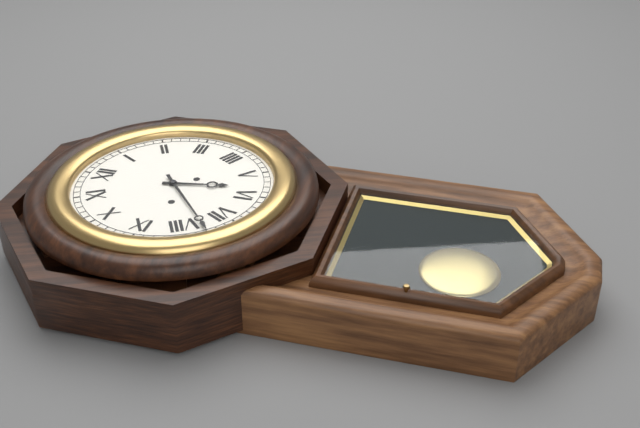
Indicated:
h=5 m=38
